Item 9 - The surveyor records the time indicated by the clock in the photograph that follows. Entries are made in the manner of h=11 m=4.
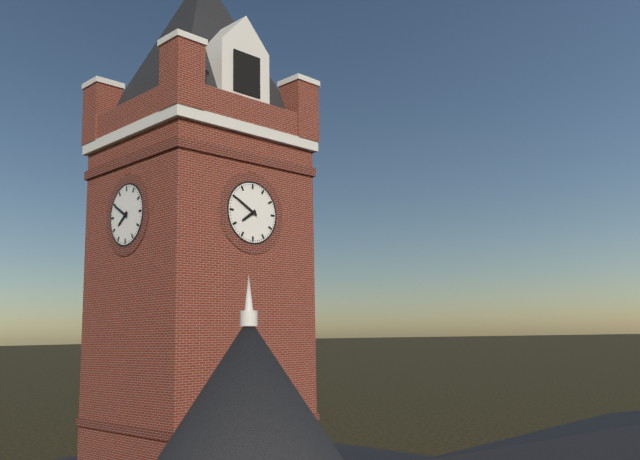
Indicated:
h=7 m=50
